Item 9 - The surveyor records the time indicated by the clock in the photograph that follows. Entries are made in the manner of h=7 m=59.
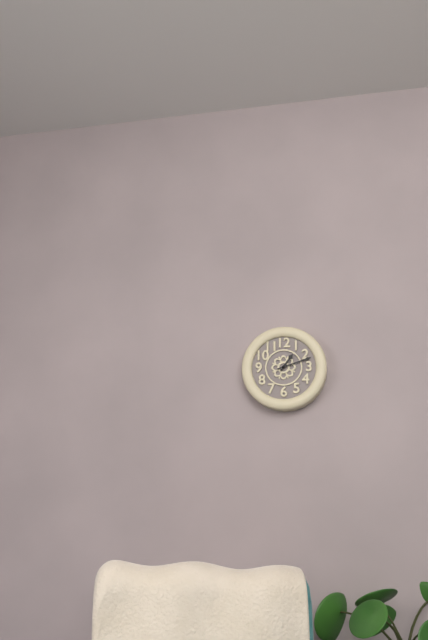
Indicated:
h=1 m=12
